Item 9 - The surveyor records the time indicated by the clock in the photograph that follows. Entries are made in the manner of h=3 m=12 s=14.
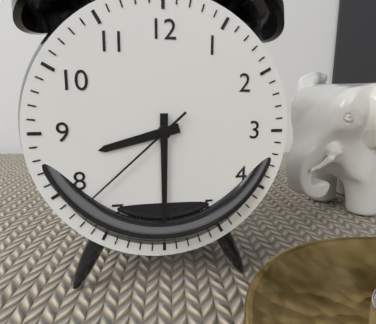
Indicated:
h=8 m=30 s=38
